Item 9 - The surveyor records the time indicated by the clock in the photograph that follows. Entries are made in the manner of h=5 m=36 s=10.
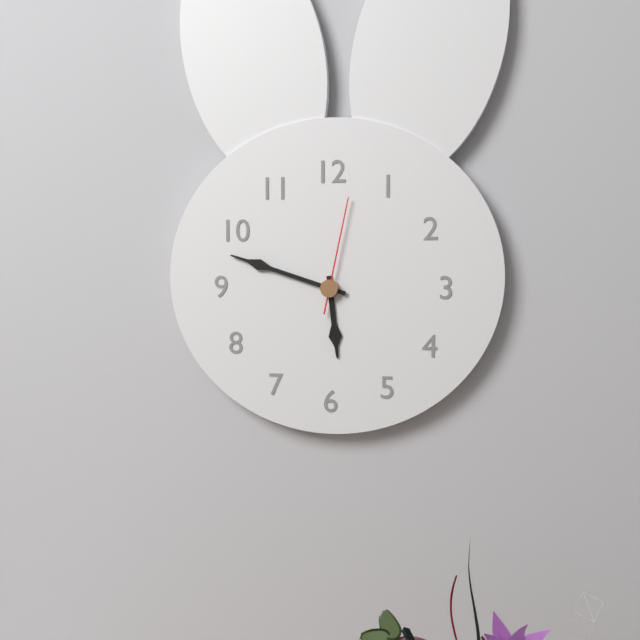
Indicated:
h=5 m=48 s=2
